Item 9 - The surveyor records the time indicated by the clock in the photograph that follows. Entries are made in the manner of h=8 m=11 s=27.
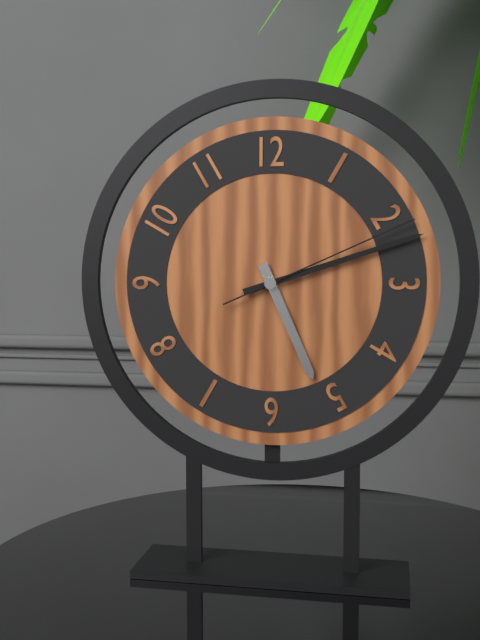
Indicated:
h=5 m=12 s=11
